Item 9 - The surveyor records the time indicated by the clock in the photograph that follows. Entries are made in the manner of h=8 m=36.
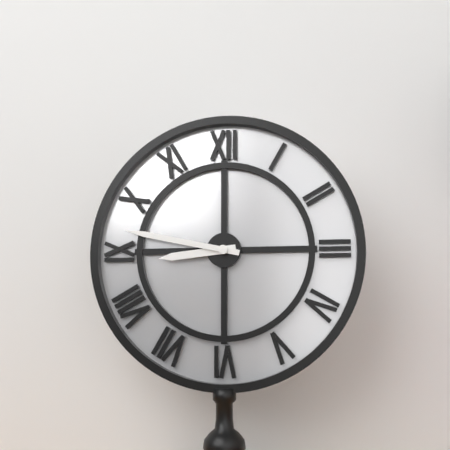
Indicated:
h=8 m=47
